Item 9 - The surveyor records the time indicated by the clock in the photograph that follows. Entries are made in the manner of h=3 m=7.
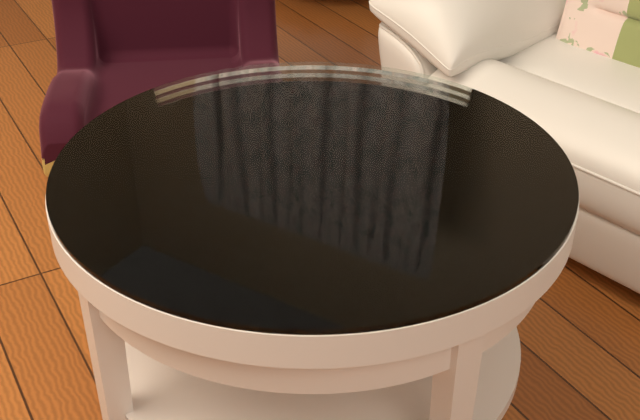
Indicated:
h=7 m=50
